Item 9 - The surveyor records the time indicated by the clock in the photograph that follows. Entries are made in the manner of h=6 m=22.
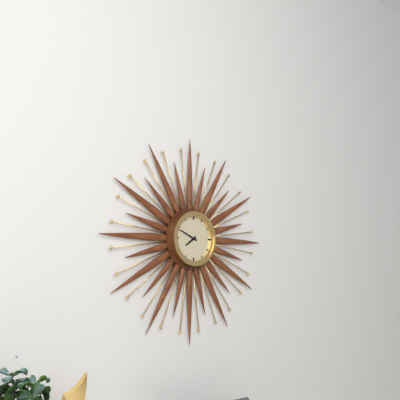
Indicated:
h=7 m=49
